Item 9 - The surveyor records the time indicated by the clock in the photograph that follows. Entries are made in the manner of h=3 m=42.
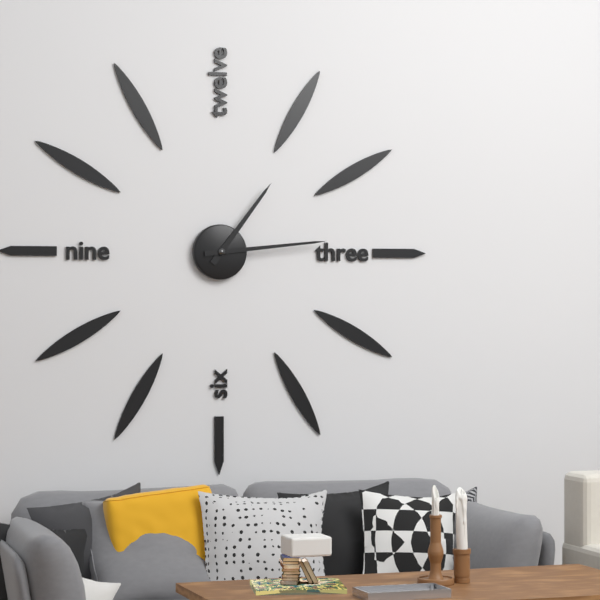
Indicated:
h=1 m=14
